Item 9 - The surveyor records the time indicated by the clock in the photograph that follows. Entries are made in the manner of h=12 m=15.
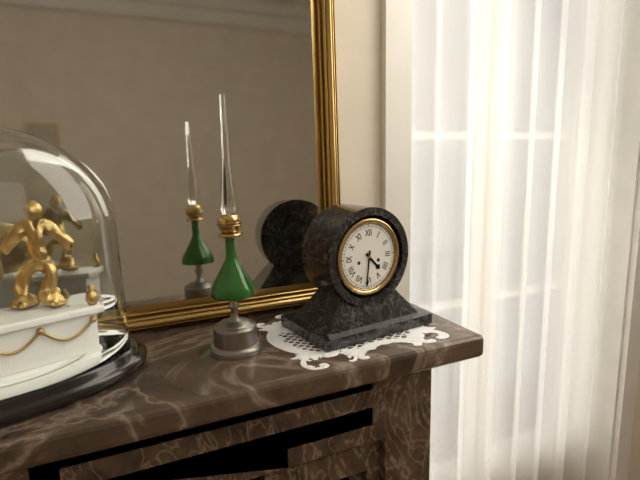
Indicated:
h=4 m=31
